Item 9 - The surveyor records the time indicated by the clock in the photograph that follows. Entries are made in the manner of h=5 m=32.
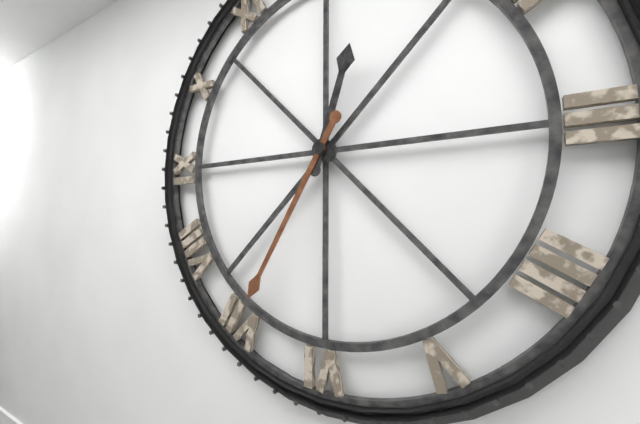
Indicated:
h=12 m=35
